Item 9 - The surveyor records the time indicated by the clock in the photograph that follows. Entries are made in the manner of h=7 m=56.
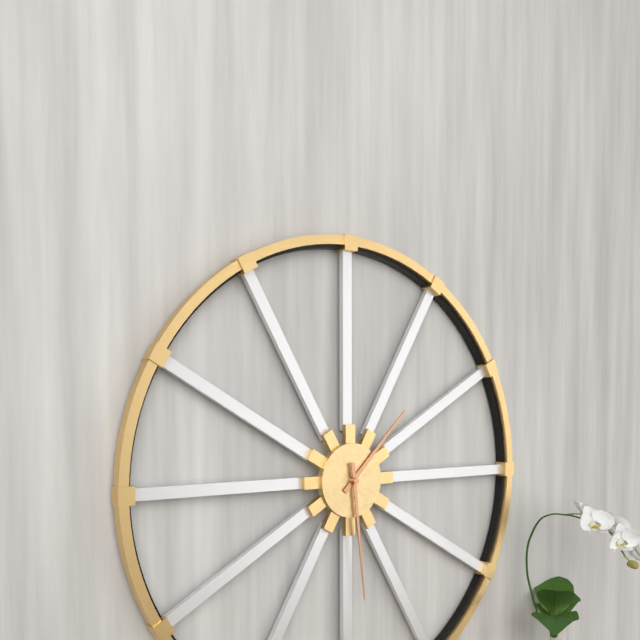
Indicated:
h=1 m=29
